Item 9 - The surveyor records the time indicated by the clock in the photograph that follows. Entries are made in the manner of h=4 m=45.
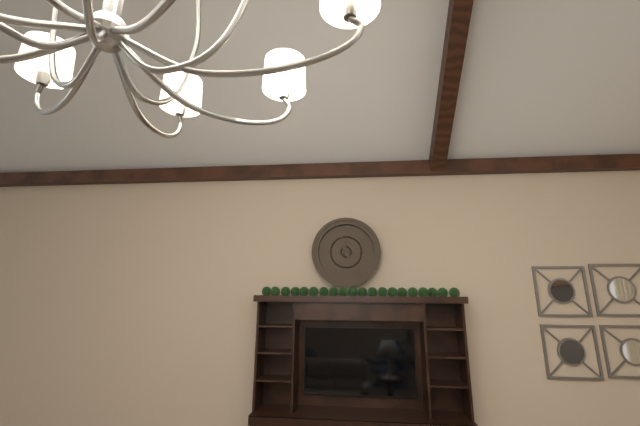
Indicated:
h=11 m=26
